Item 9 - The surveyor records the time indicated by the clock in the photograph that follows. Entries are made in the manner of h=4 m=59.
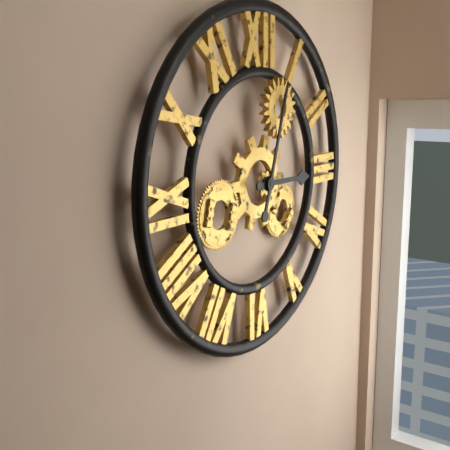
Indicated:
h=3 m=3
